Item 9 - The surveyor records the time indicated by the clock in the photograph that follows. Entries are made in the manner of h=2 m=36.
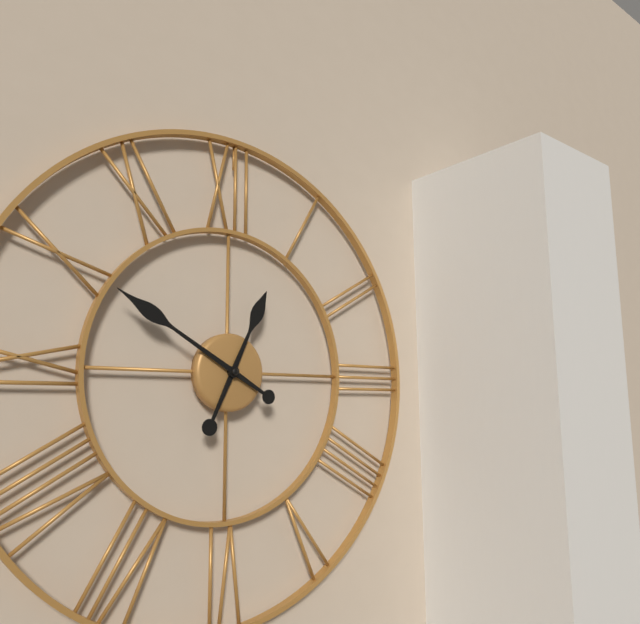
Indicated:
h=12 m=50
